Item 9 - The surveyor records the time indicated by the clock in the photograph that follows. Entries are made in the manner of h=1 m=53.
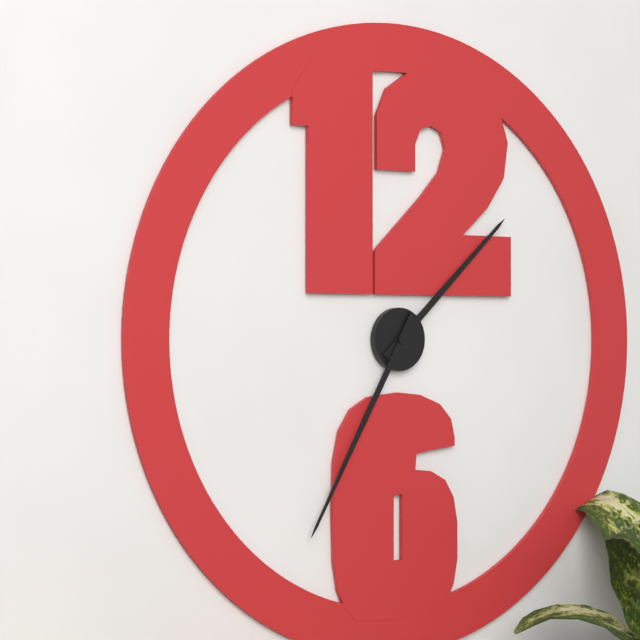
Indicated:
h=1 m=35
